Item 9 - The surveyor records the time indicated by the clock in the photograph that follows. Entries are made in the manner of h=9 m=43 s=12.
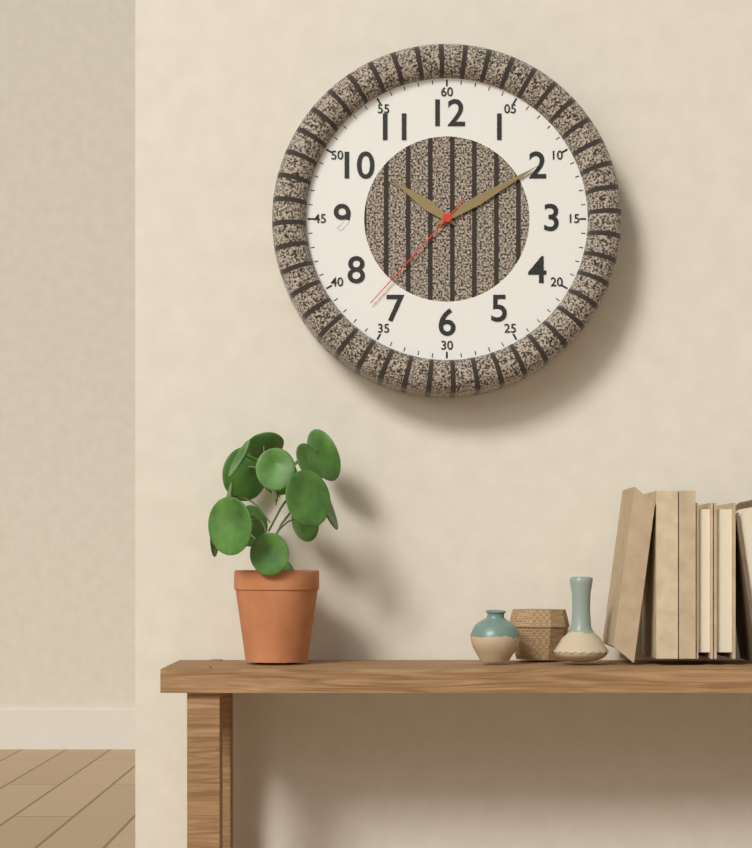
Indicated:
h=10 m=10 s=37
